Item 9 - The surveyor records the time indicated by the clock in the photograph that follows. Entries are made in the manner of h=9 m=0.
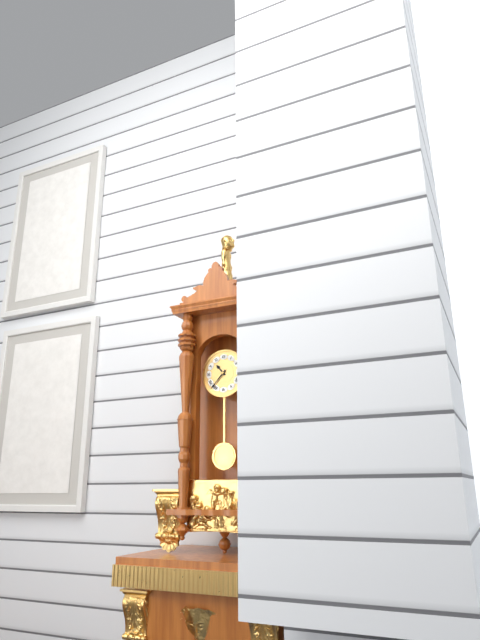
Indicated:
h=10 m=37
